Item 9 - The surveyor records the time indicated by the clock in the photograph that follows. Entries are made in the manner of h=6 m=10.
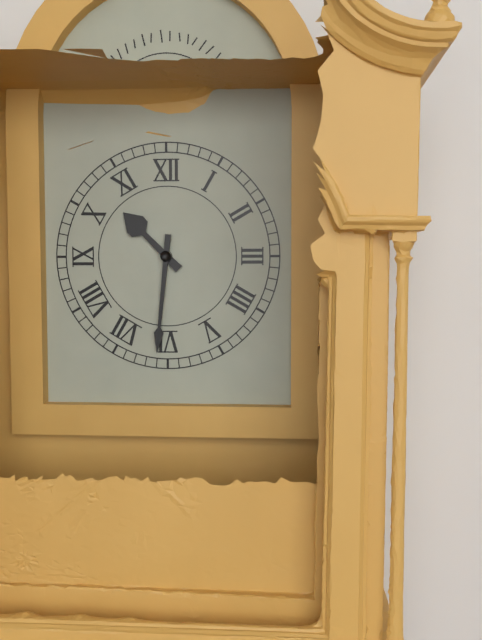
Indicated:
h=10 m=31
